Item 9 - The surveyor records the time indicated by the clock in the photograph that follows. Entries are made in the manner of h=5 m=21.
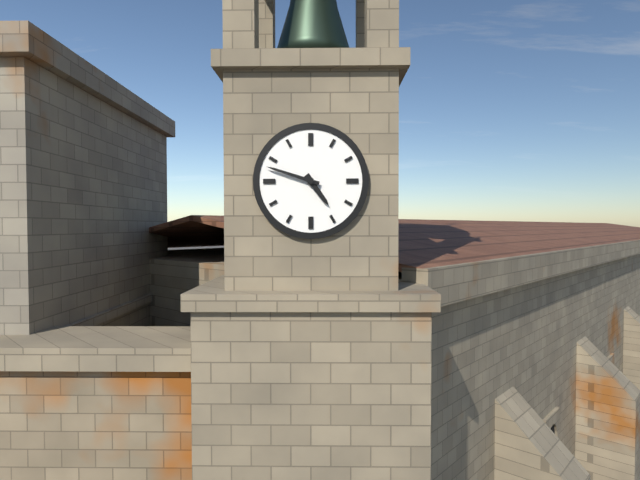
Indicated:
h=4 m=48
